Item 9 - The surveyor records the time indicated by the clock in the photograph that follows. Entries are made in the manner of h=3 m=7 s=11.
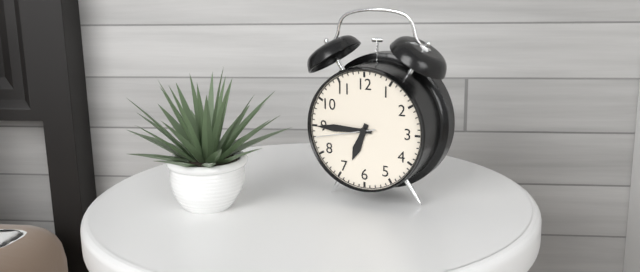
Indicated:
h=6 m=45 s=43
